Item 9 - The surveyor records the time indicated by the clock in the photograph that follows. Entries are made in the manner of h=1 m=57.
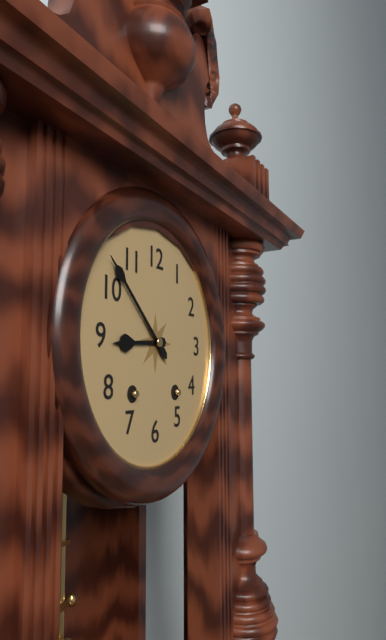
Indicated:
h=8 m=52
